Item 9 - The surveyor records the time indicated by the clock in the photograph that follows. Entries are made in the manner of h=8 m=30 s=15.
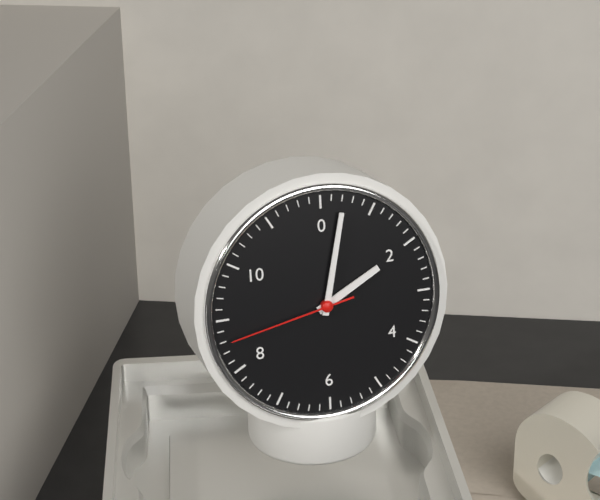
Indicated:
h=2 m=2 s=43
